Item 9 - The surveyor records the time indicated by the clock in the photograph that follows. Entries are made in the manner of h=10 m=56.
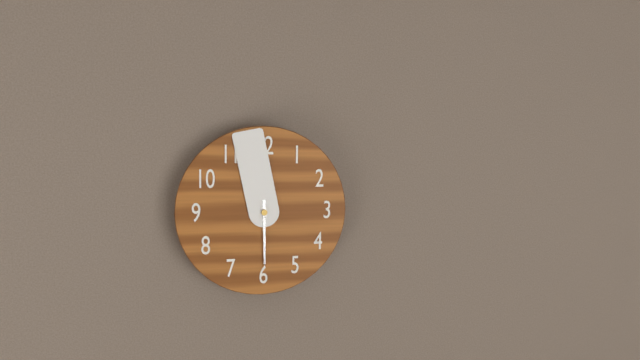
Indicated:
h=5 m=58
